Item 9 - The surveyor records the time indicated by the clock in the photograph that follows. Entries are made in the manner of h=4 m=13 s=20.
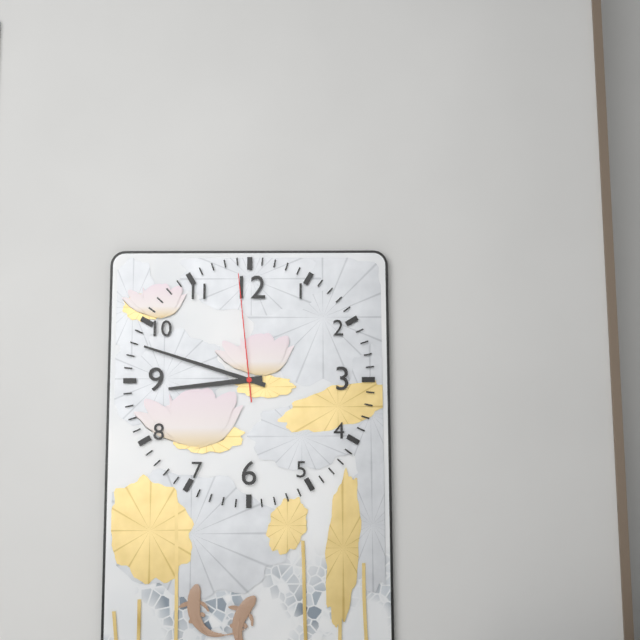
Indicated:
h=8 m=48 s=59
